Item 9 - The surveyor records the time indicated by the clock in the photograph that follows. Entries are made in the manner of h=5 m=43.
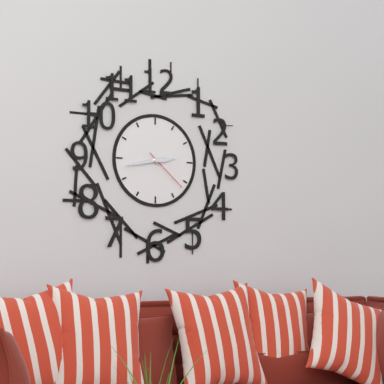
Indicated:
h=2 m=43
